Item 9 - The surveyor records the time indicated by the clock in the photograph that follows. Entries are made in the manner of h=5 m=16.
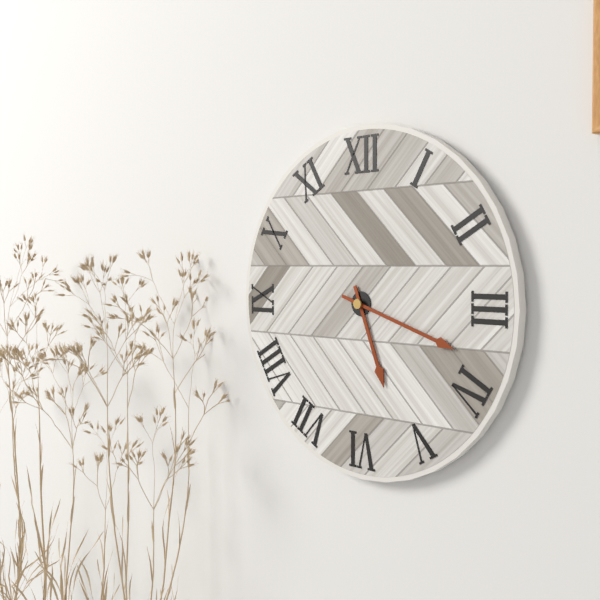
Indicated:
h=5 m=18
